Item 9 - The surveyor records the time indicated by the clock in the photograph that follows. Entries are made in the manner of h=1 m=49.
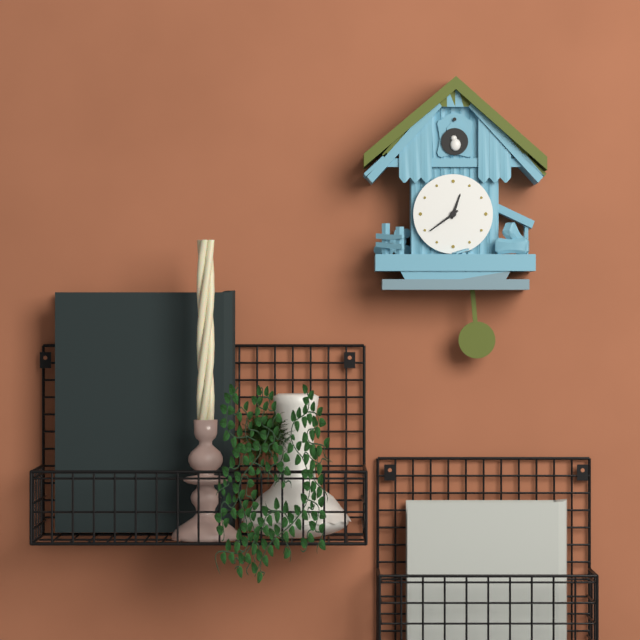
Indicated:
h=12 m=39
